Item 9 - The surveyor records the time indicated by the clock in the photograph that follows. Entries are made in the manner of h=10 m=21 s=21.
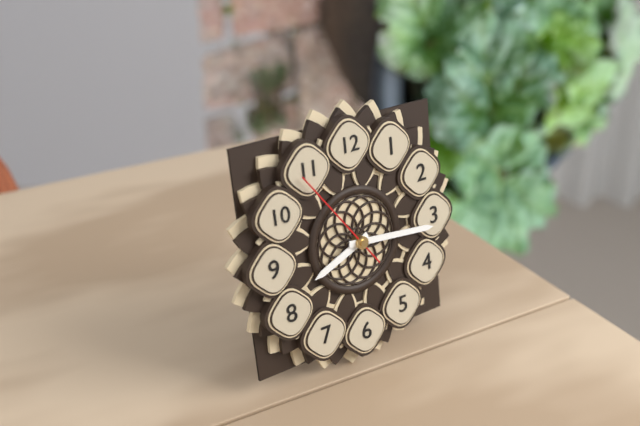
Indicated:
h=8 m=16 s=54
